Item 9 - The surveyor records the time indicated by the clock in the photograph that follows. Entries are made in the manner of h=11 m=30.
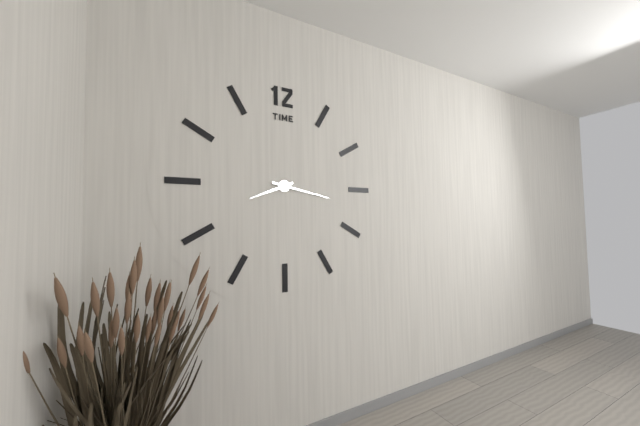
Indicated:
h=8 m=17
